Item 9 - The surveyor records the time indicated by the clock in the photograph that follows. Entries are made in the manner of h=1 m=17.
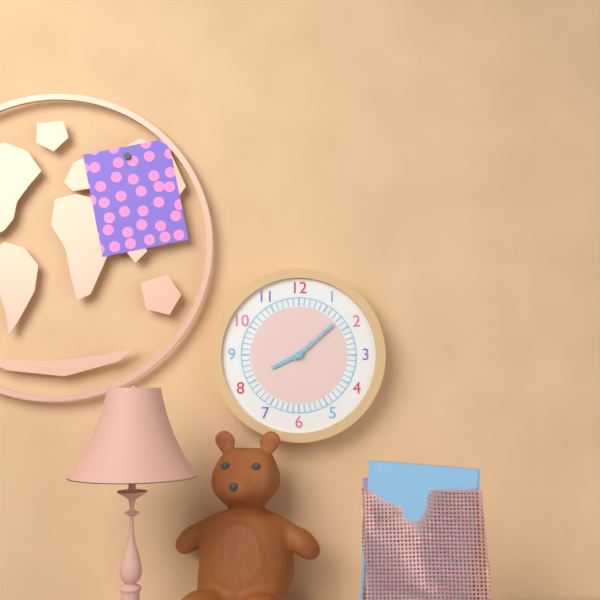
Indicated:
h=8 m=8
